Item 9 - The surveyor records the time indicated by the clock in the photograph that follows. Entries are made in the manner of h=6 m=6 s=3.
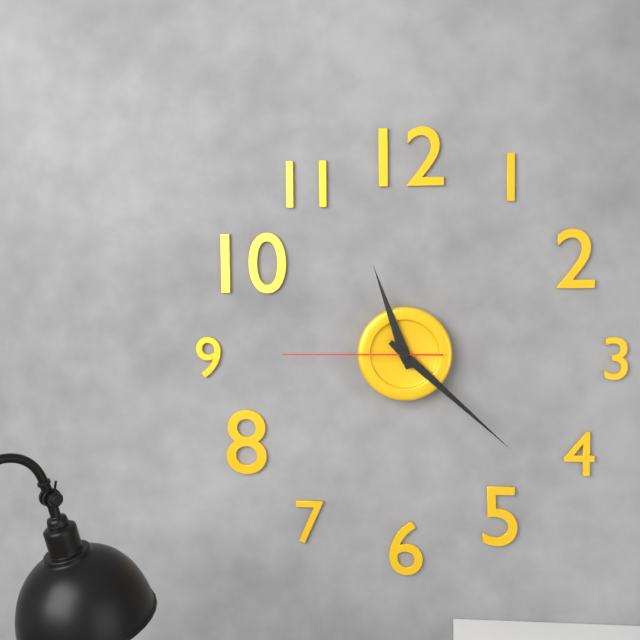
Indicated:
h=11 m=22 s=45
